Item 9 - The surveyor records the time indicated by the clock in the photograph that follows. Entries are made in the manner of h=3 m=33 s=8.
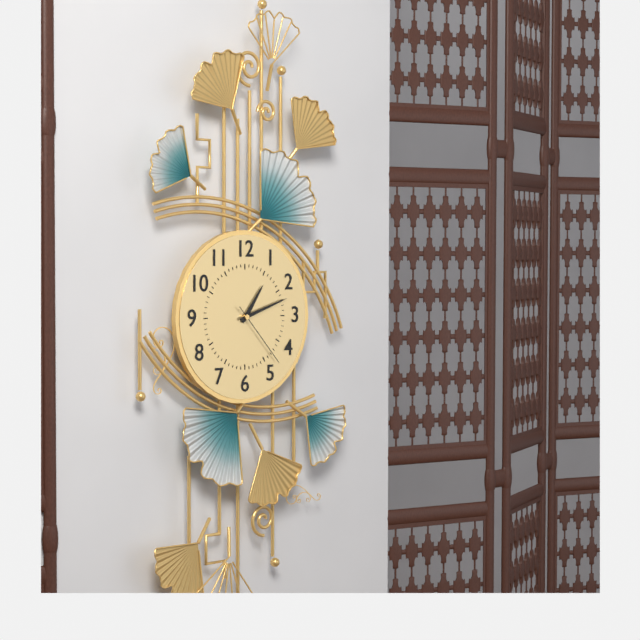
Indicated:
h=1 m=12 s=23
